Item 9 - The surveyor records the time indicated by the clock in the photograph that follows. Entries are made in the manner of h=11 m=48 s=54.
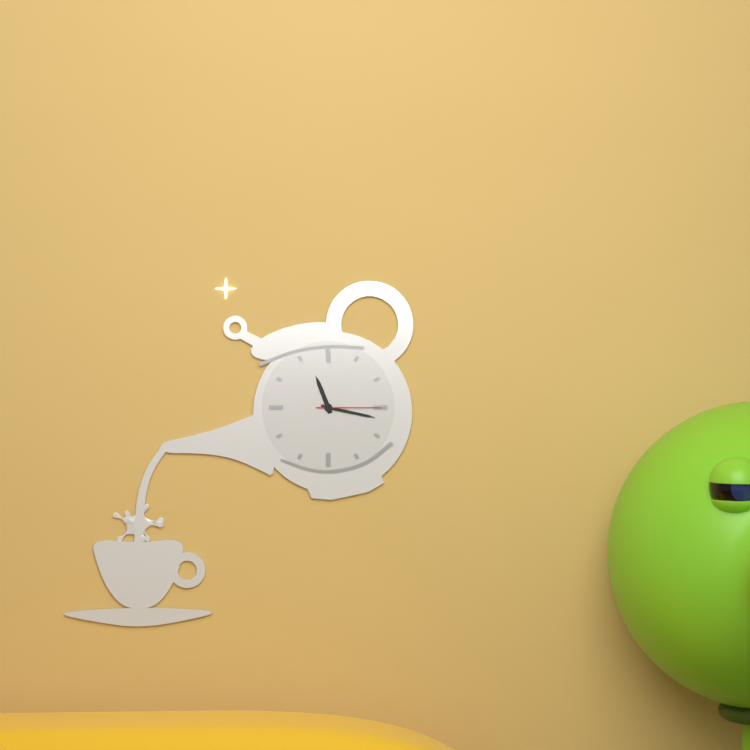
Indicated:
h=11 m=17 s=15
